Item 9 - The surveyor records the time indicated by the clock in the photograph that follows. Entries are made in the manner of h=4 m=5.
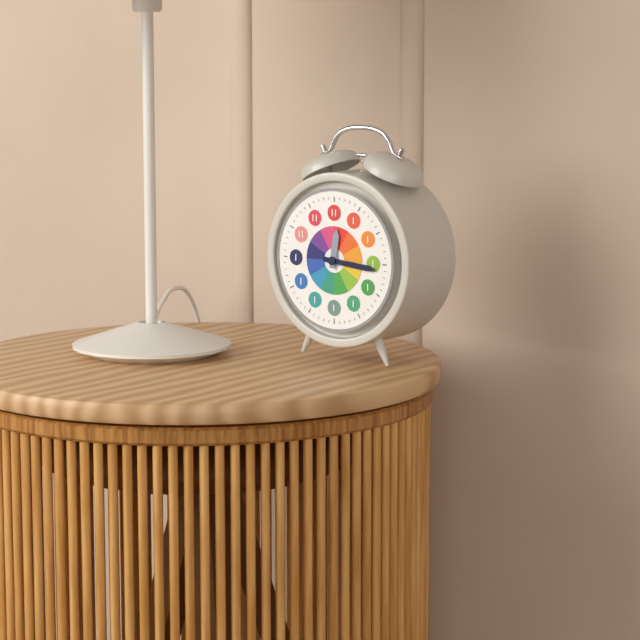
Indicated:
h=12 m=16
